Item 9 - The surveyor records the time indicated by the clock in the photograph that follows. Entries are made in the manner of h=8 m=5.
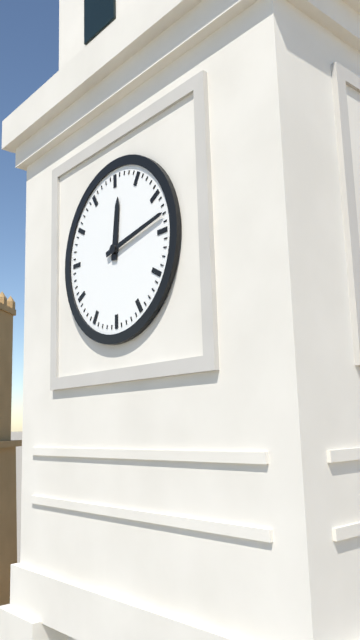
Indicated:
h=12 m=13
